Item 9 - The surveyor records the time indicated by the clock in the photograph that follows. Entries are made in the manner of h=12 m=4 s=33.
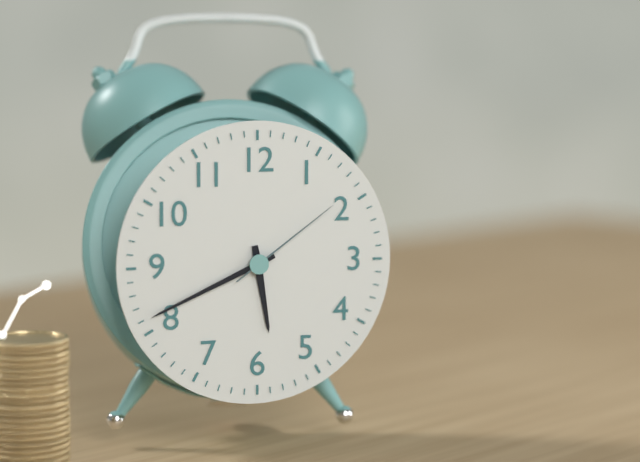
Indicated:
h=5 m=41 s=9
